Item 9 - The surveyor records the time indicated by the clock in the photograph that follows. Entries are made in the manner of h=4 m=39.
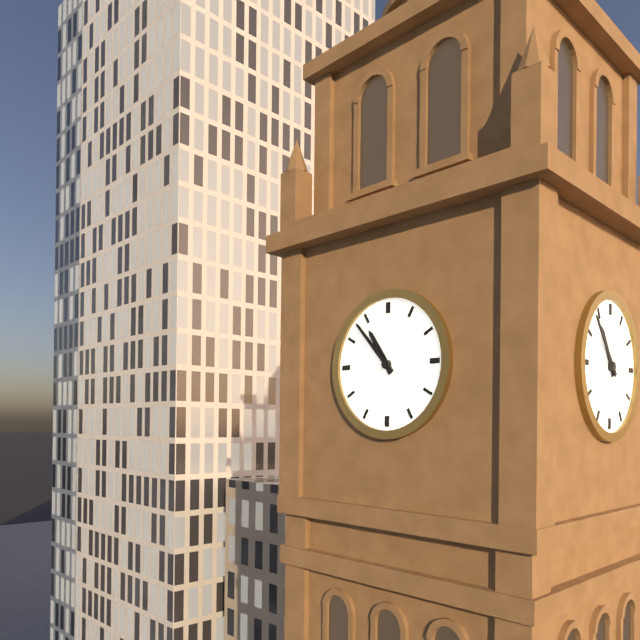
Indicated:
h=10 m=53
